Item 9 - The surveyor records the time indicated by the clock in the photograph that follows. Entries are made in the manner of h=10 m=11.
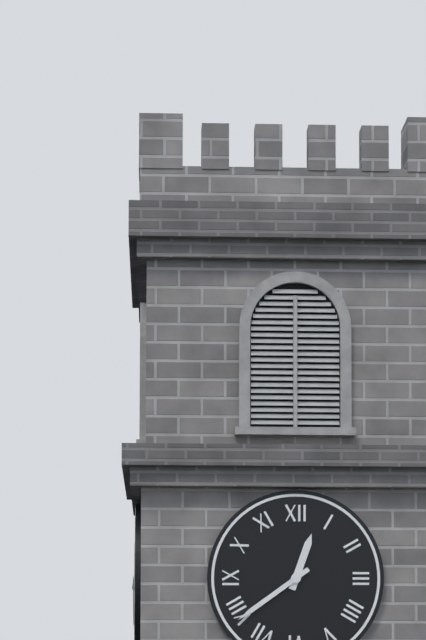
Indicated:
h=12 m=39
